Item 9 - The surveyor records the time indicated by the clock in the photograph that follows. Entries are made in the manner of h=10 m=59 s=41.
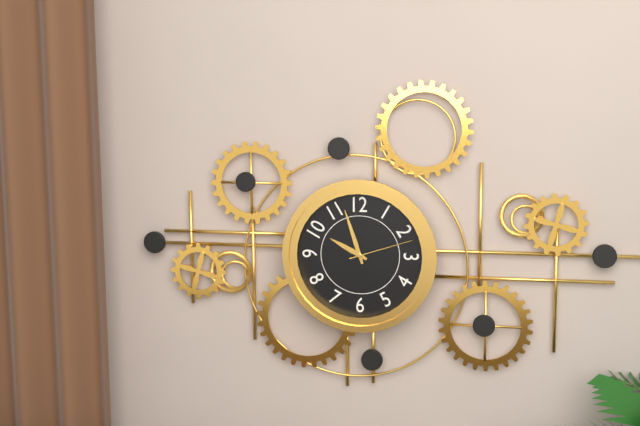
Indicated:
h=9 m=57 s=12
